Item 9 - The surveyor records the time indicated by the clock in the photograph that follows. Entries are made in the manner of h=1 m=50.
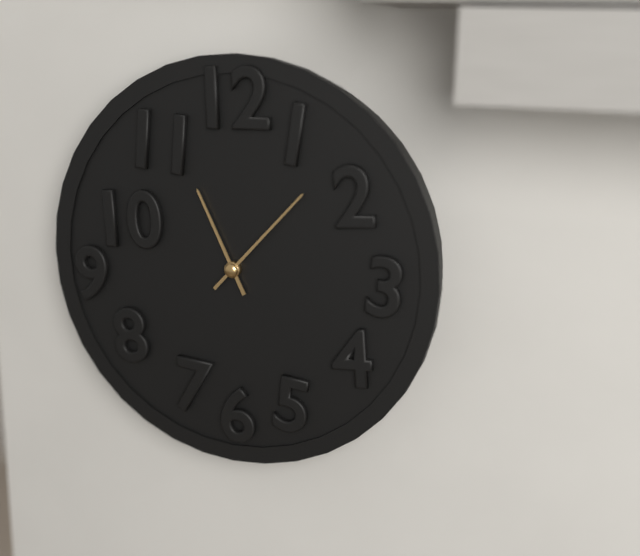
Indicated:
h=11 m=7
